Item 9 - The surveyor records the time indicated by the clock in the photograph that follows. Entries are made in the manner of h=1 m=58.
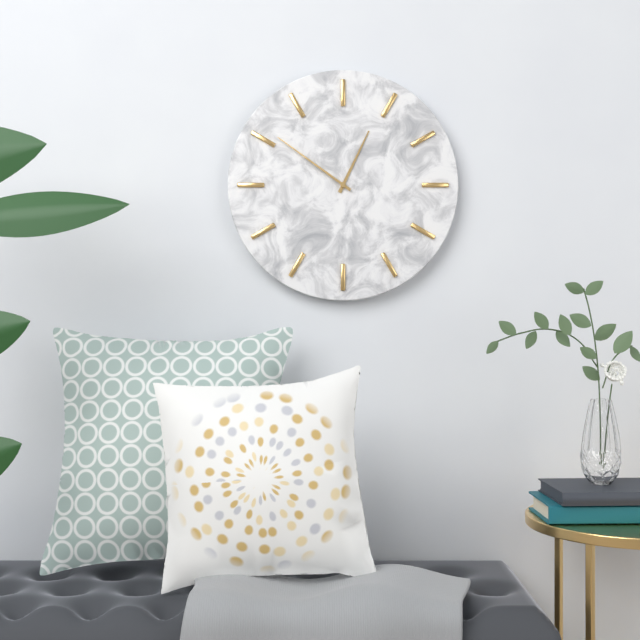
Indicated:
h=12 m=51
